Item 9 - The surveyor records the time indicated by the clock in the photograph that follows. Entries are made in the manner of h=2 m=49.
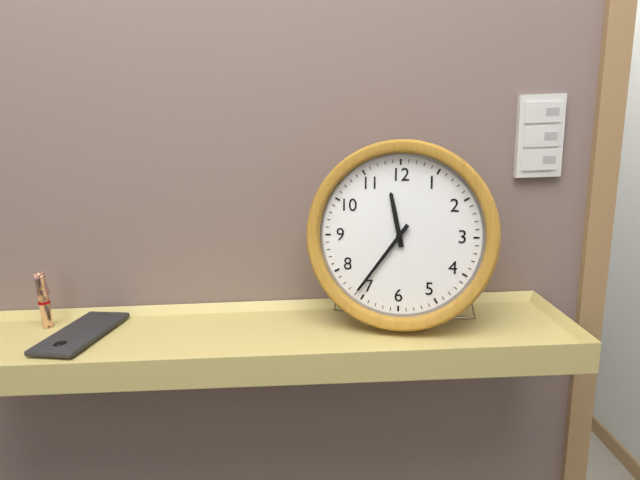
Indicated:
h=11 m=36
